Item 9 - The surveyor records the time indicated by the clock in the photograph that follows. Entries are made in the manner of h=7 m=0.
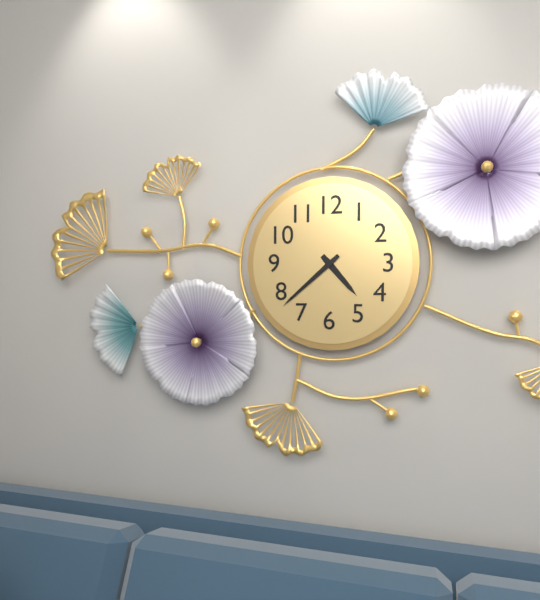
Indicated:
h=4 m=38
